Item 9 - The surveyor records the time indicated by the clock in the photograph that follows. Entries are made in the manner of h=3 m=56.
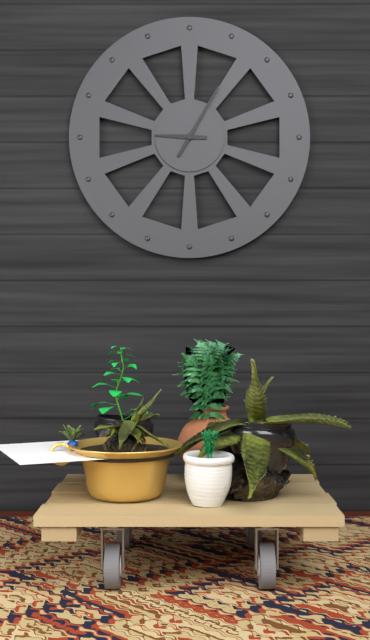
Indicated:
h=9 m=5
